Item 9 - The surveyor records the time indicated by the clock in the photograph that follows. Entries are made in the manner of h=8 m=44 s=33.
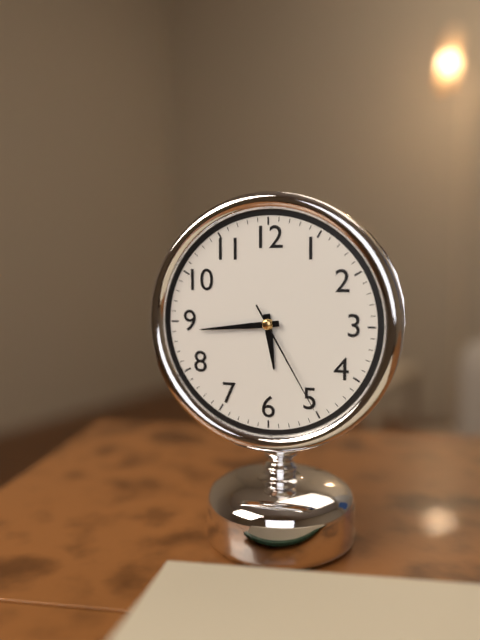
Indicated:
h=5 m=44 s=25
